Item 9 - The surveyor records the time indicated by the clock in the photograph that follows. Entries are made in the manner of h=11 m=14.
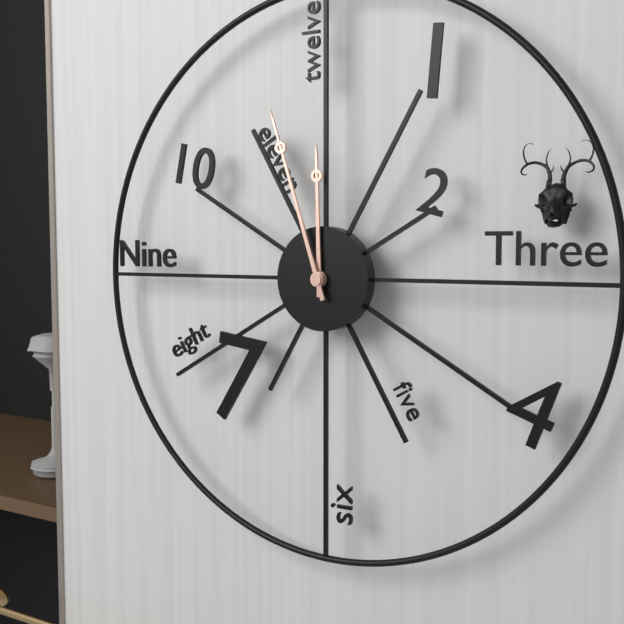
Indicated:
h=11 m=57
